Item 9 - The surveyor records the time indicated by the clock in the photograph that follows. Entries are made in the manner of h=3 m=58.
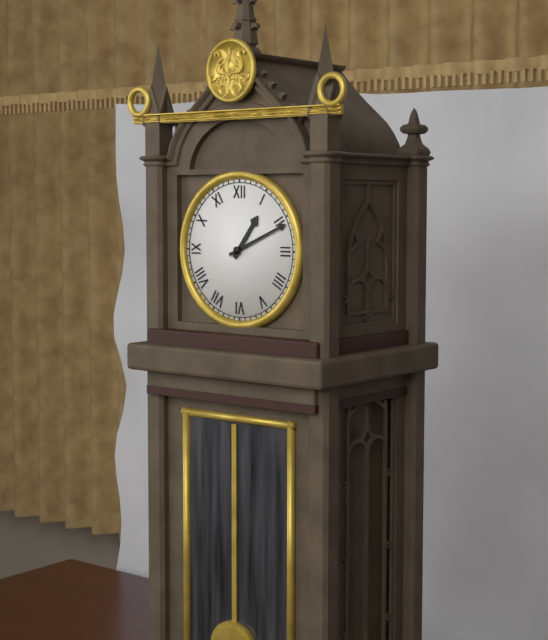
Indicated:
h=1 m=11
